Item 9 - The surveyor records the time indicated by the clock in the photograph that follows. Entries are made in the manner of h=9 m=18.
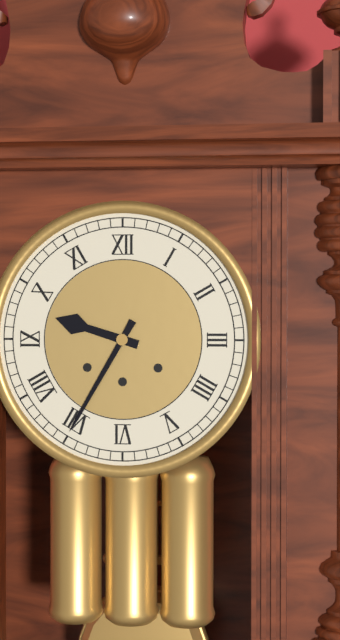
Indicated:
h=9 m=35
